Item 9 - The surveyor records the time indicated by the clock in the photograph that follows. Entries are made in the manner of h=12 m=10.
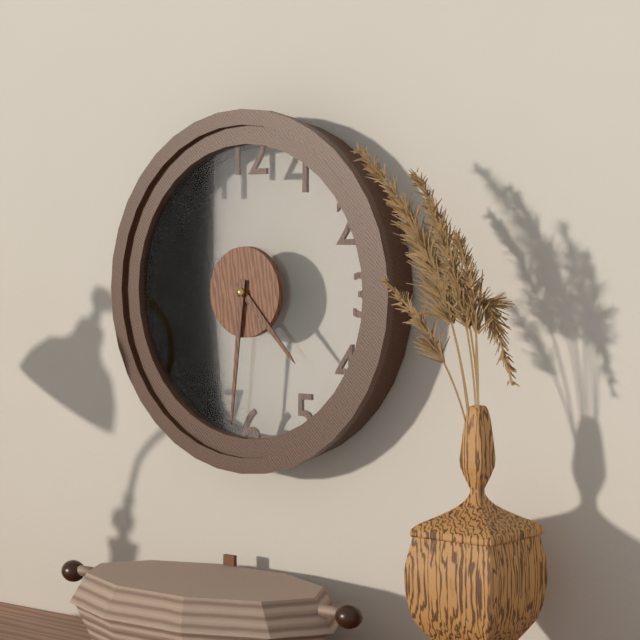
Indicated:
h=4 m=31
